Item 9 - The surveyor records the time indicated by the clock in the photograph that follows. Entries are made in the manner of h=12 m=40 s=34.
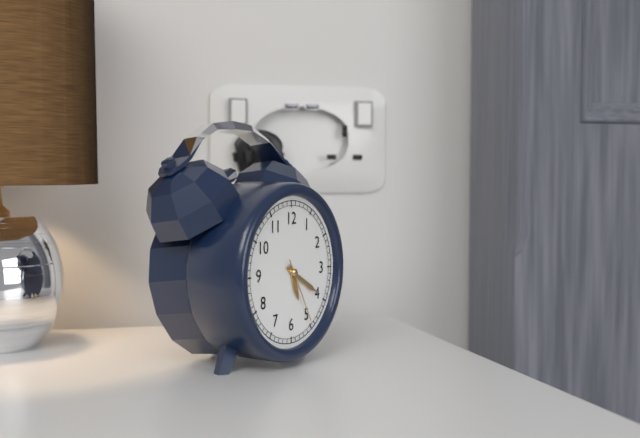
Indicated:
h=5 m=20 s=25
